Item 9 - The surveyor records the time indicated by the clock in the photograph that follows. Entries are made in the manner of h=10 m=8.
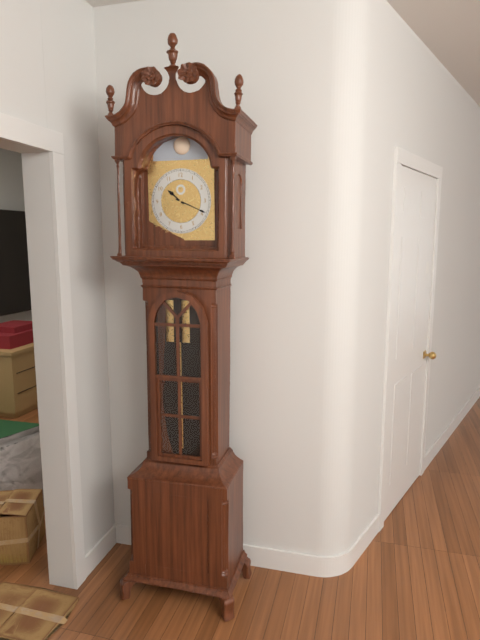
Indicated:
h=10 m=19
